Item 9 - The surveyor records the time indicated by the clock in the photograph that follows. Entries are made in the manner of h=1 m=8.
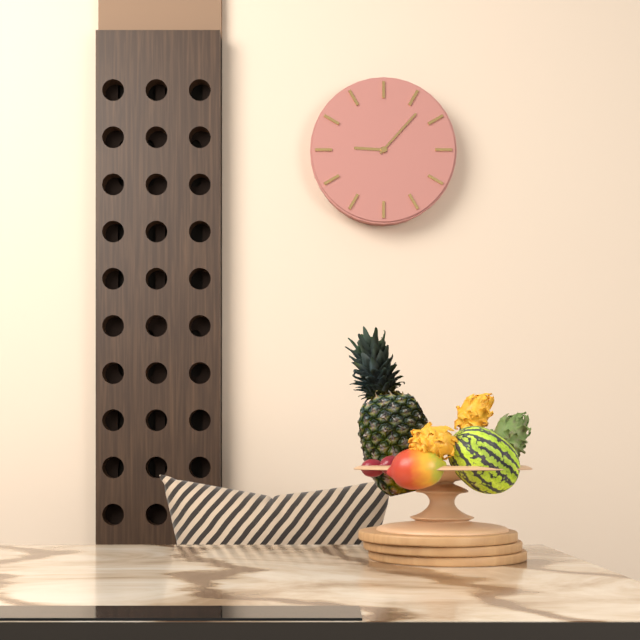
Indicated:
h=9 m=7
